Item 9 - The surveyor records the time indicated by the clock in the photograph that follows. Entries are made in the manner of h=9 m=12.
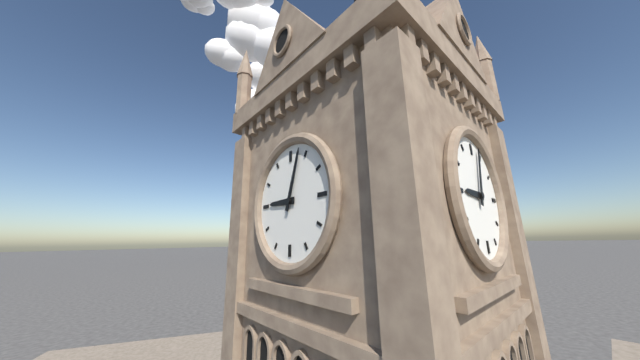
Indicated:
h=9 m=3
